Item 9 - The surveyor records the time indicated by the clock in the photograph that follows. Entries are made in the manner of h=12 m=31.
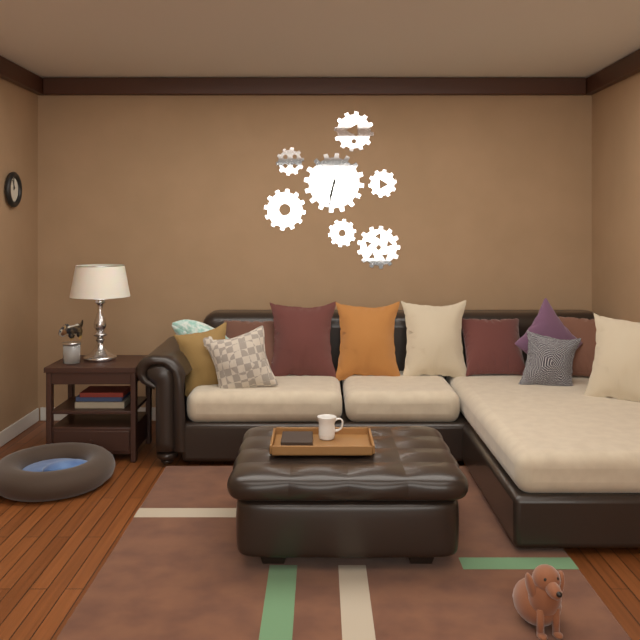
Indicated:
h=6 m=32
